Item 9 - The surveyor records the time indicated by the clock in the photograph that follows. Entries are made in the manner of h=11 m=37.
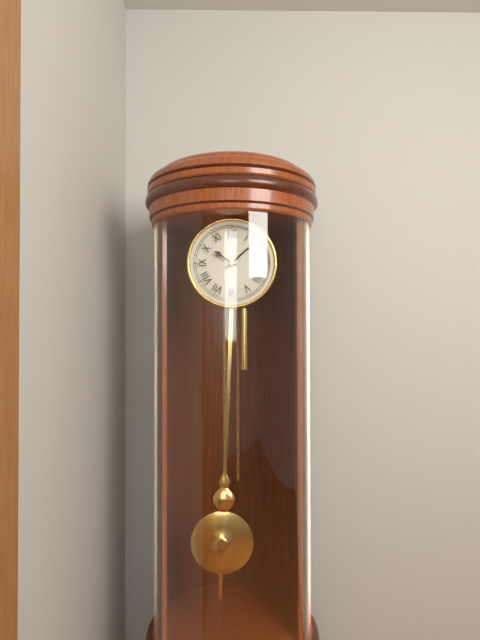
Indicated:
h=10 m=8
